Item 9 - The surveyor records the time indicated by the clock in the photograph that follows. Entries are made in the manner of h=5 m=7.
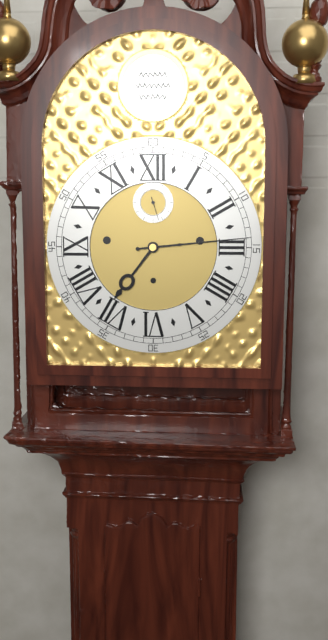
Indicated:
h=7 m=14
